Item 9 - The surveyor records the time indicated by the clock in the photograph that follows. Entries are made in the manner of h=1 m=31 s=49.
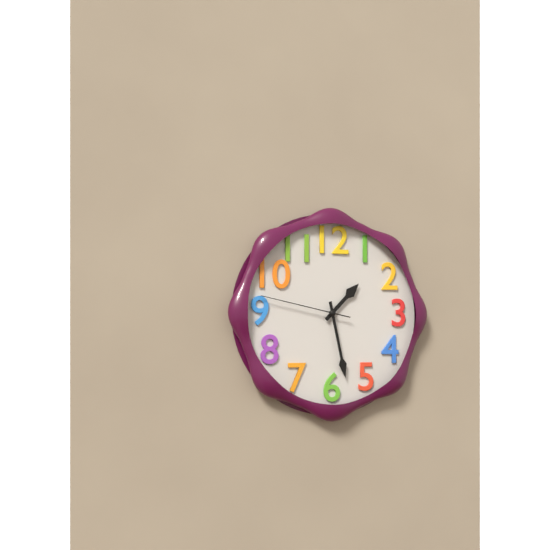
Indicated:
h=1 m=28 s=47
